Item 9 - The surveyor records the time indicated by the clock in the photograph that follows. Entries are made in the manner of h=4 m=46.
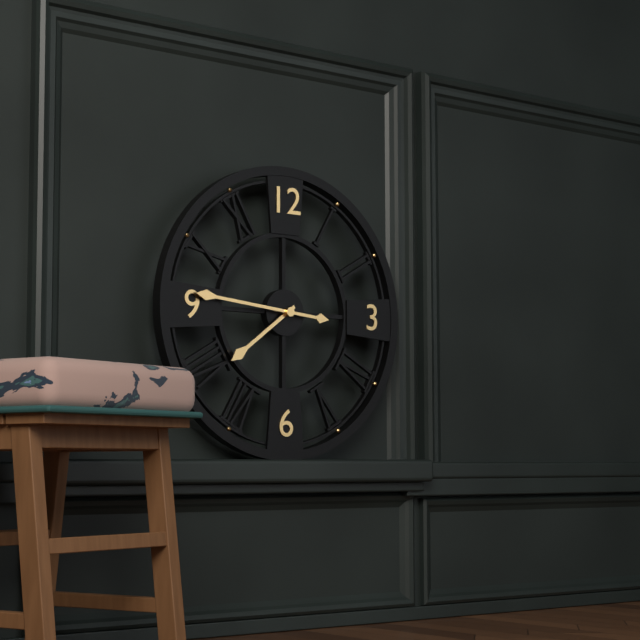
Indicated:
h=7 m=46
